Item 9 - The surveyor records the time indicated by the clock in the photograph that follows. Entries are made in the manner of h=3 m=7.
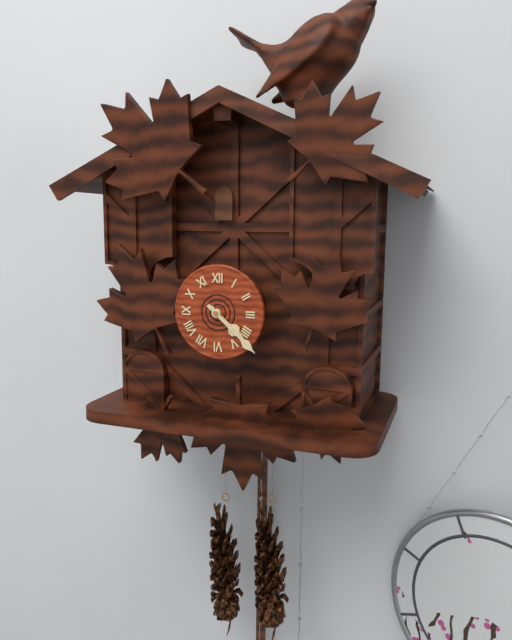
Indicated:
h=4 m=22
